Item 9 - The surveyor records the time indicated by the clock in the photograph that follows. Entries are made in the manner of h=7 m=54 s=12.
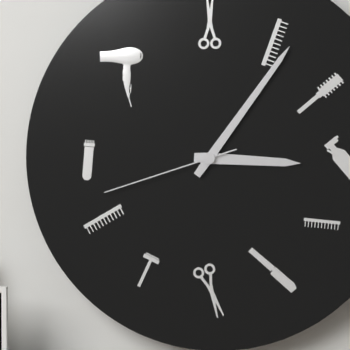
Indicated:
h=3 m=6 s=42
